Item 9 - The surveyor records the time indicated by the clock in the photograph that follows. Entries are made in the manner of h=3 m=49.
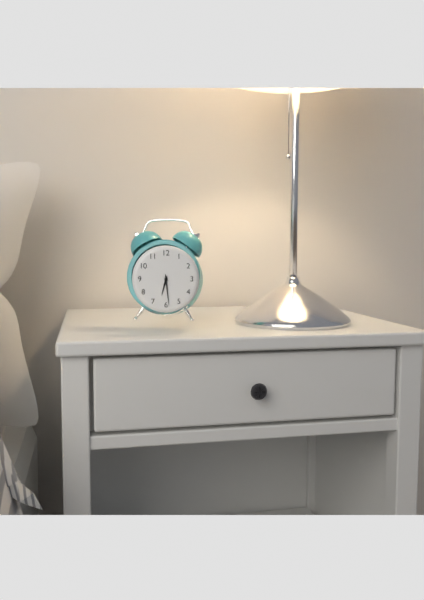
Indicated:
h=6 m=29
